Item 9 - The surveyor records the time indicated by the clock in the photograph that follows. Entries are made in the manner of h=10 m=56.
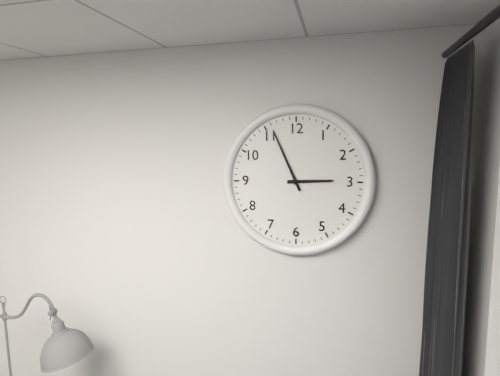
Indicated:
h=2 m=56
